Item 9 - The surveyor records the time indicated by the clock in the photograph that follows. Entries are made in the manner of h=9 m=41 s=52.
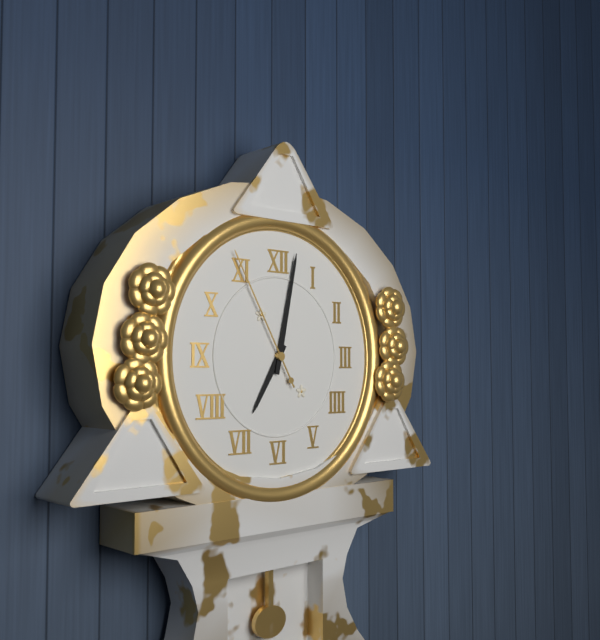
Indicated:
h=7 m=2 s=55
